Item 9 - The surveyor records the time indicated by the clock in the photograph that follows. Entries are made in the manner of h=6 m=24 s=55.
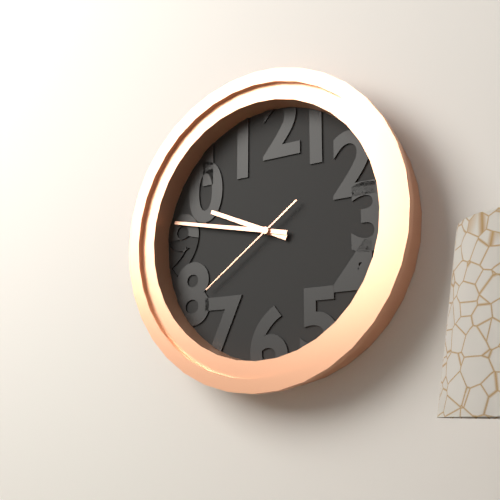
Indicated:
h=9 m=47 s=39
